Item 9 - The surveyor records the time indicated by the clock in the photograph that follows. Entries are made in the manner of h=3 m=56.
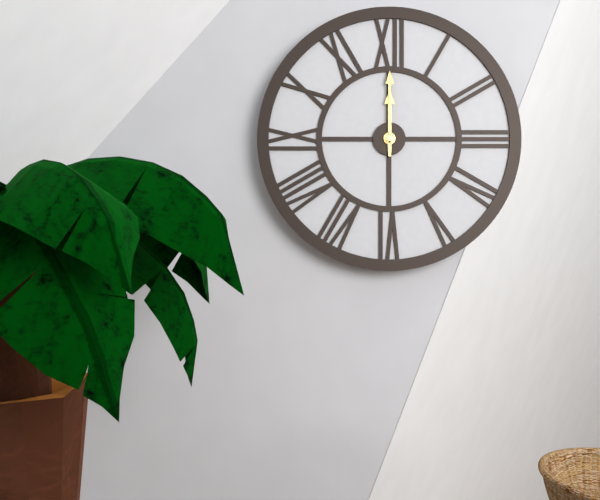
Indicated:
h=12 m=0
